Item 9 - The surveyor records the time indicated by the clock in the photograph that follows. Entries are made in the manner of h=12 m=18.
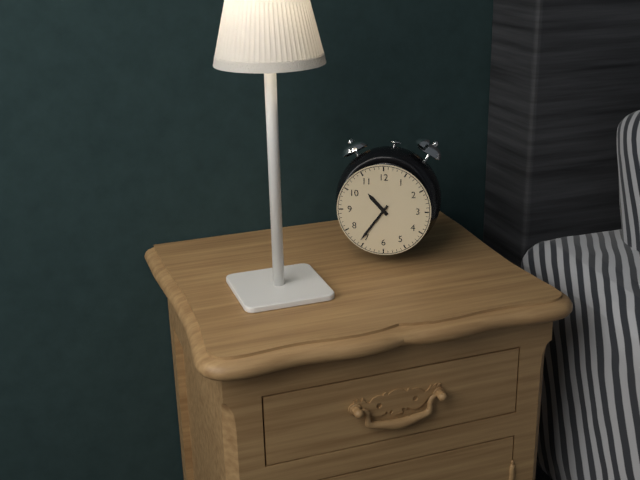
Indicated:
h=10 m=36
